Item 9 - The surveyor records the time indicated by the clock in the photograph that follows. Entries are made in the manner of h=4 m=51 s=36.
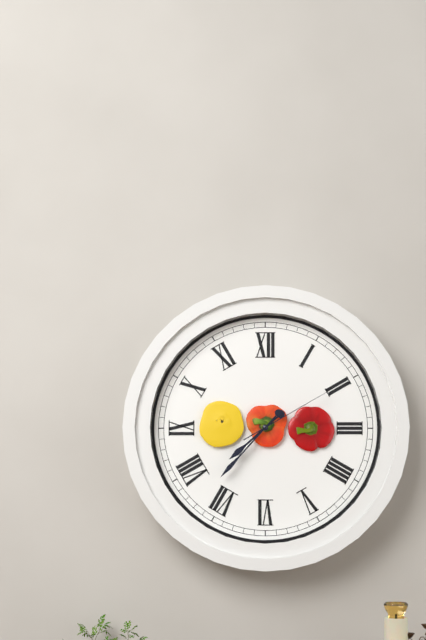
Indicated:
h=7 m=37 s=10
